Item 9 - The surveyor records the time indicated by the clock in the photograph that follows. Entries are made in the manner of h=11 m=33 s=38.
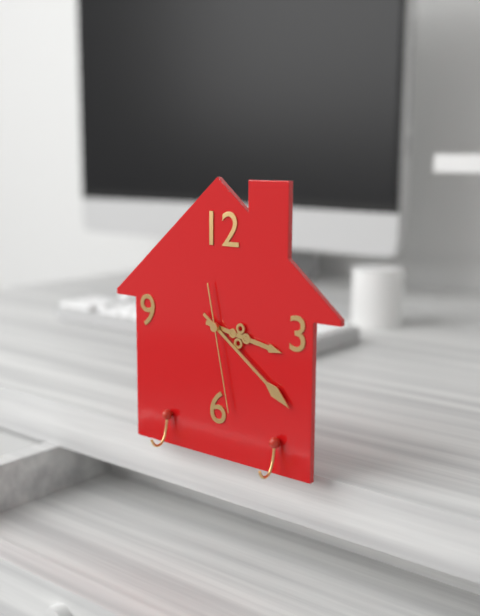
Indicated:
h=3 m=21 s=28
